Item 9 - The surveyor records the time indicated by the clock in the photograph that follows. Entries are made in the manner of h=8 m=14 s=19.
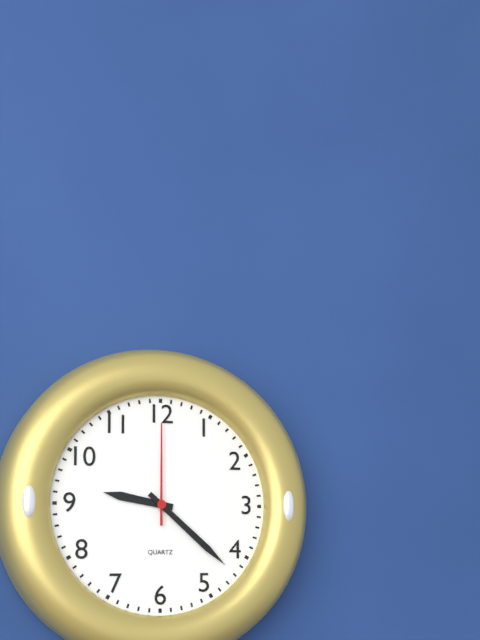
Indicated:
h=9 m=22 s=0
